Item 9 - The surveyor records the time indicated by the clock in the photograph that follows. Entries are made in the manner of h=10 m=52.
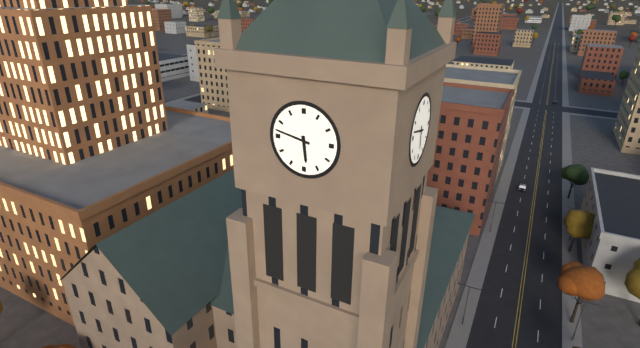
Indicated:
h=5 m=47
